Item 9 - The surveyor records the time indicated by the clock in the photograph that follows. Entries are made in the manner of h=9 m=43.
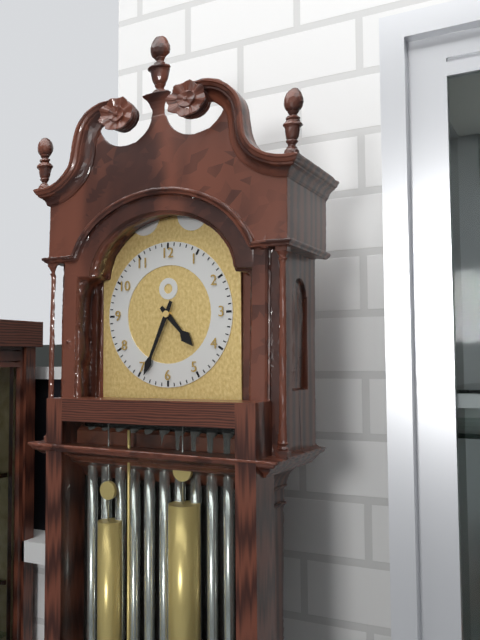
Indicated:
h=4 m=34
